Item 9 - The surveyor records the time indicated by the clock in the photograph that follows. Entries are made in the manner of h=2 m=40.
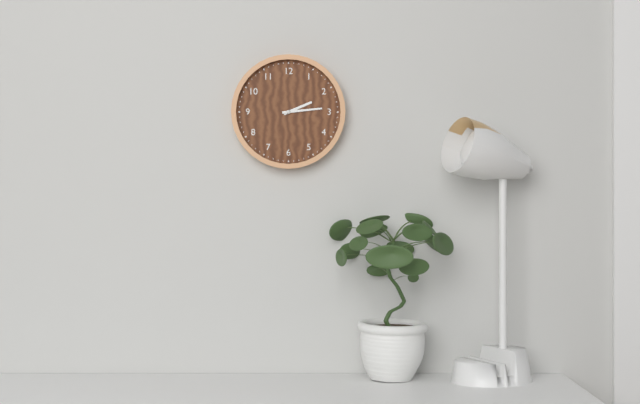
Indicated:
h=2 m=14
